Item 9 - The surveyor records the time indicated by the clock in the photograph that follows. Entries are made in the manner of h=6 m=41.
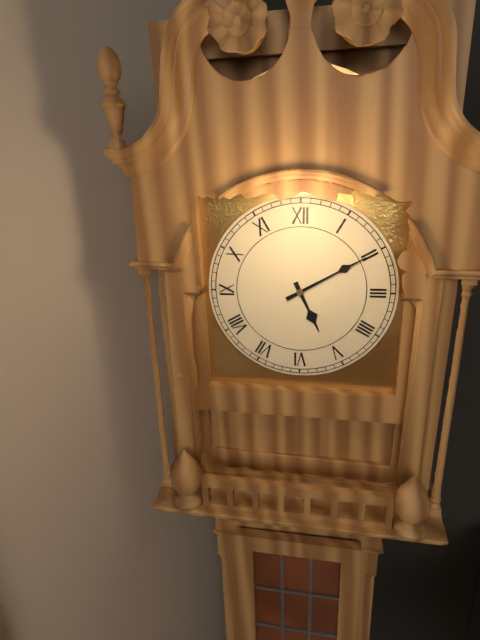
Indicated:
h=5 m=10
